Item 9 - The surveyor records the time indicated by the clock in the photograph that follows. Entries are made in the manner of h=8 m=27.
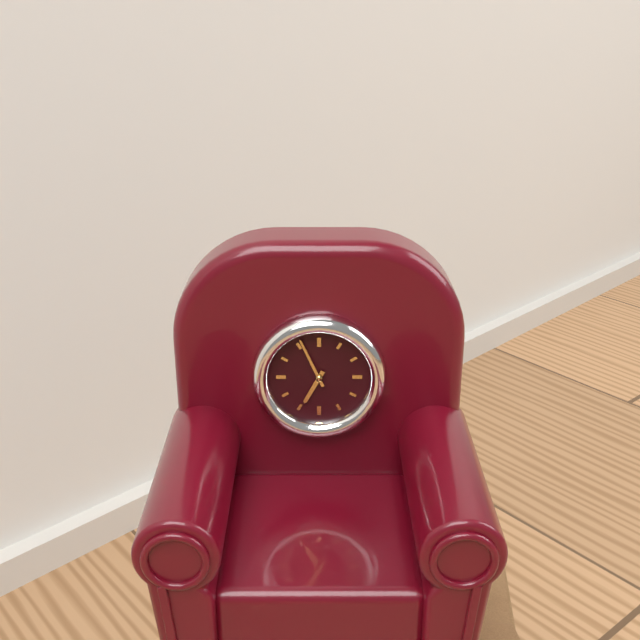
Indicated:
h=6 m=56
